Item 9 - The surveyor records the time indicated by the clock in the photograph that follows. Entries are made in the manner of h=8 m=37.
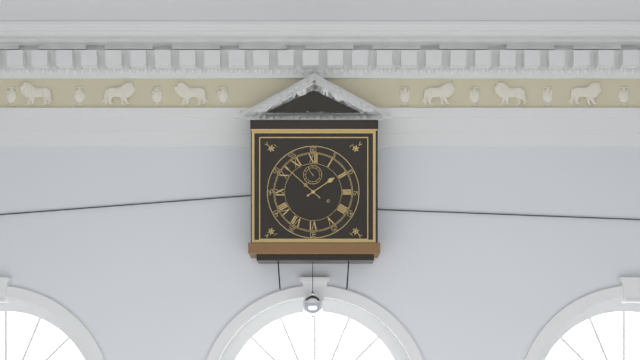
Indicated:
h=1 m=52
